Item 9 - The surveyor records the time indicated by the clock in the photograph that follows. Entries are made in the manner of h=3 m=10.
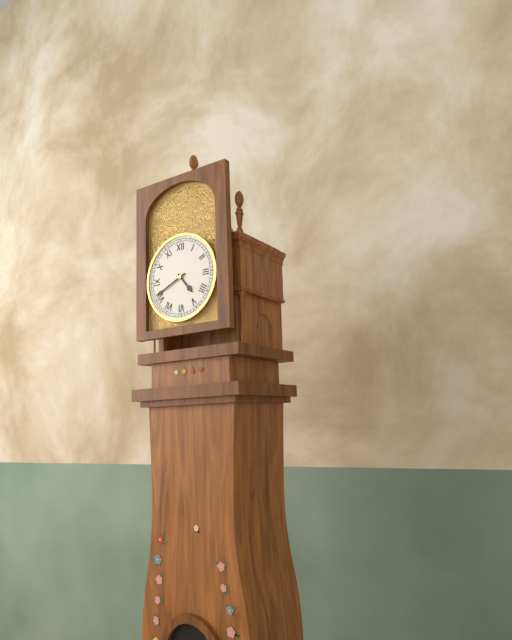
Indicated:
h=4 m=41
